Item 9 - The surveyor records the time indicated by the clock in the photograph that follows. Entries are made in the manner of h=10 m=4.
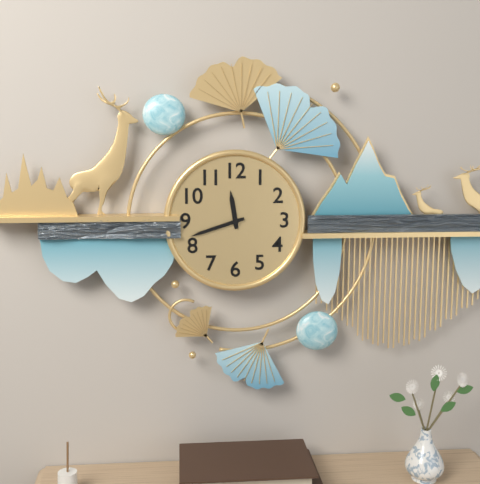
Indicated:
h=11 m=42
